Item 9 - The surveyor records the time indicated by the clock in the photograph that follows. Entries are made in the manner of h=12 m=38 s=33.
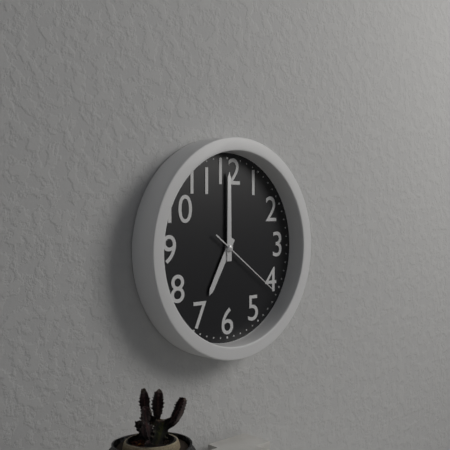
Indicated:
h=7 m=0 s=21
